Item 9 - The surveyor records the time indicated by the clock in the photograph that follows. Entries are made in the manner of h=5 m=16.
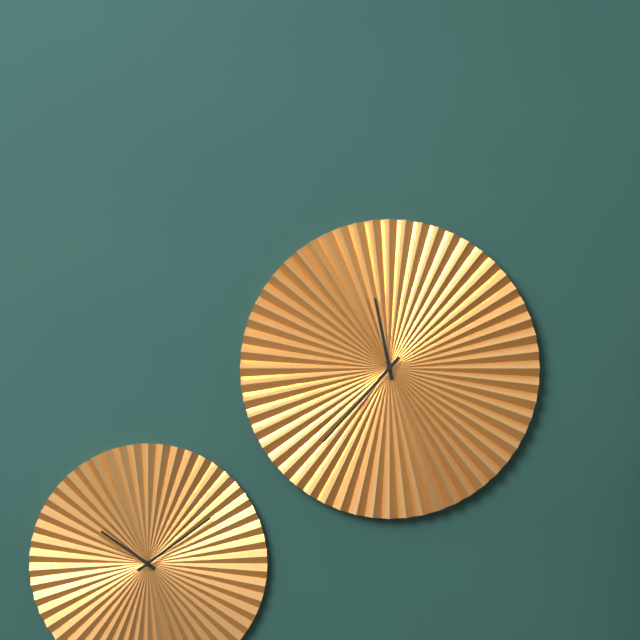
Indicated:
h=11 m=37
